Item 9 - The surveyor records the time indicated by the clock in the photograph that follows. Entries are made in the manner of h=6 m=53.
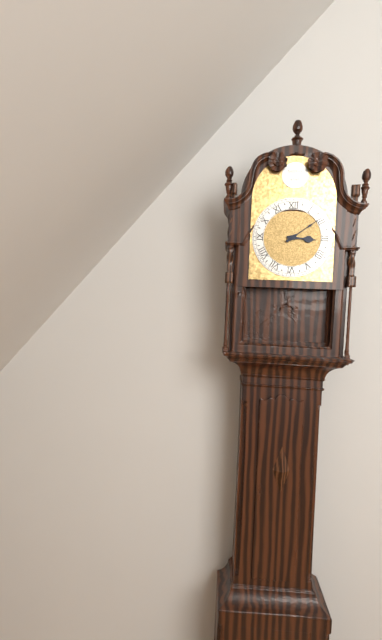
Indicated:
h=3 m=9
